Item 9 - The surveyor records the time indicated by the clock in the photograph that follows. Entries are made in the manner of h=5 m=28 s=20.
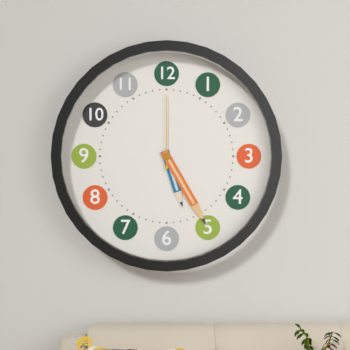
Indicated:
h=5 m=25 s=0
